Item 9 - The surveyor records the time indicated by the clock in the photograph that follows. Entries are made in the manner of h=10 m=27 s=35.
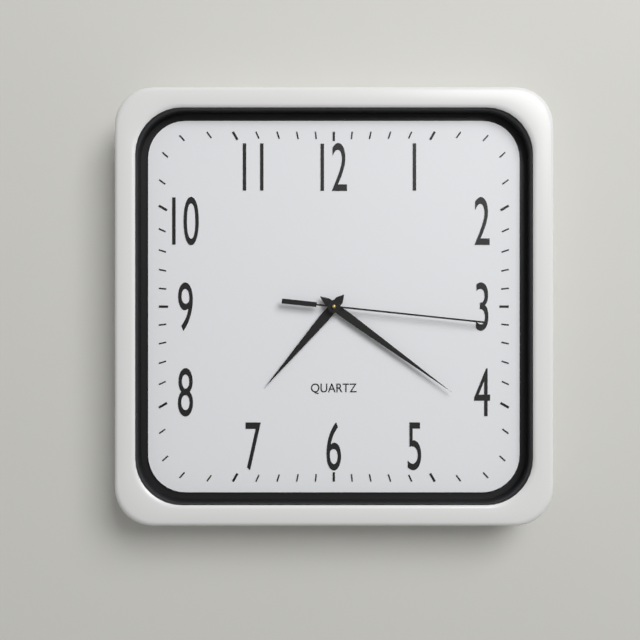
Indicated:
h=7 m=21 s=16
